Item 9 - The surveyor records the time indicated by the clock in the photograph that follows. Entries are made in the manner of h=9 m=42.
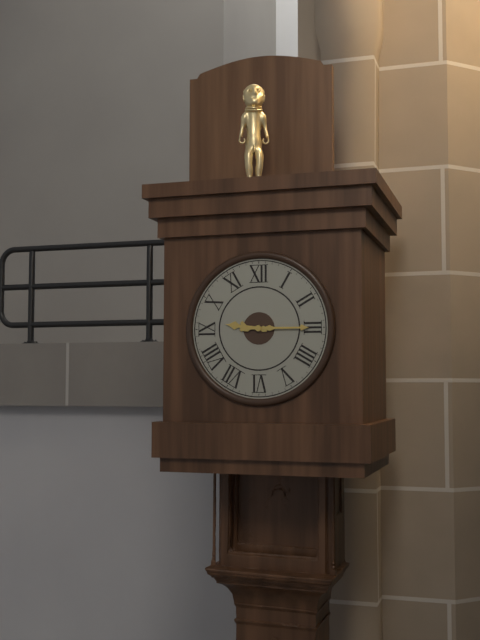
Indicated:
h=9 m=15
